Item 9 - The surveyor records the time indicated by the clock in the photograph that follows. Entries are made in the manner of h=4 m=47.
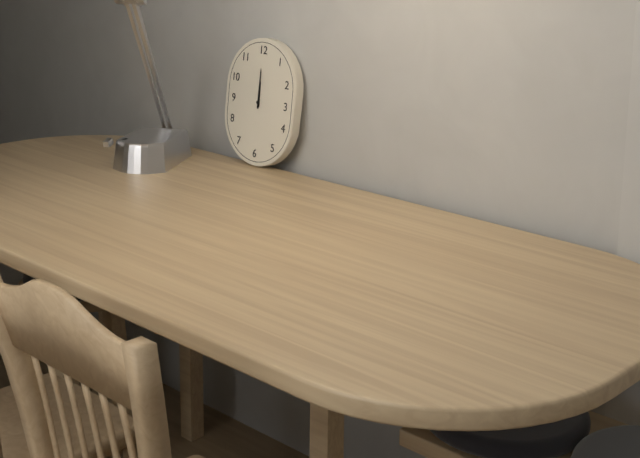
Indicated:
h=12 m=0
